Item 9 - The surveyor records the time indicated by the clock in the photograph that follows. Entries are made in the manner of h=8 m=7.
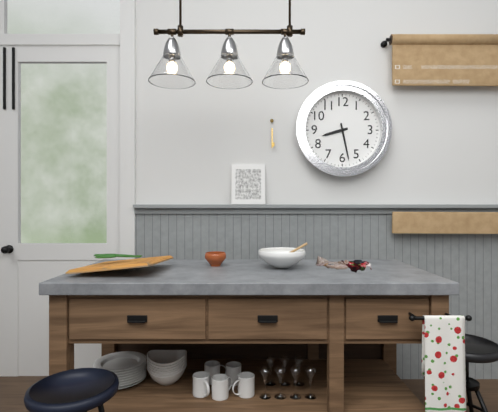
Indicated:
h=8 m=28
